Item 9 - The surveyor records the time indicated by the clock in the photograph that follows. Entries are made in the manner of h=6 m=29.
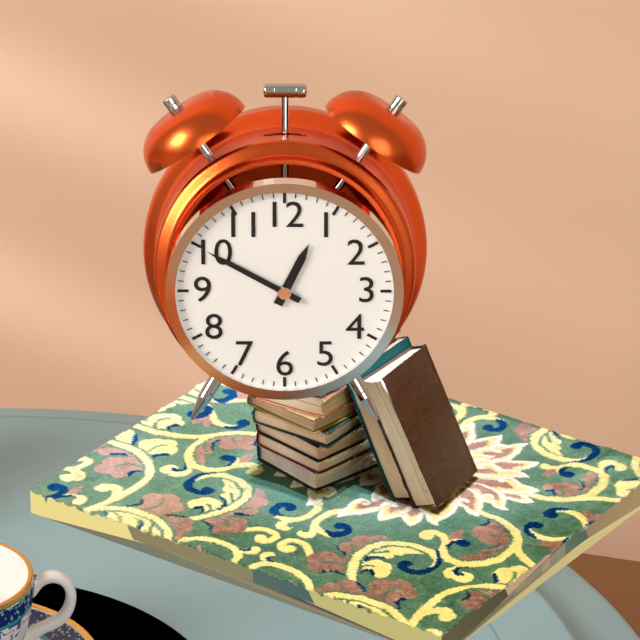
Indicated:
h=12 m=50
